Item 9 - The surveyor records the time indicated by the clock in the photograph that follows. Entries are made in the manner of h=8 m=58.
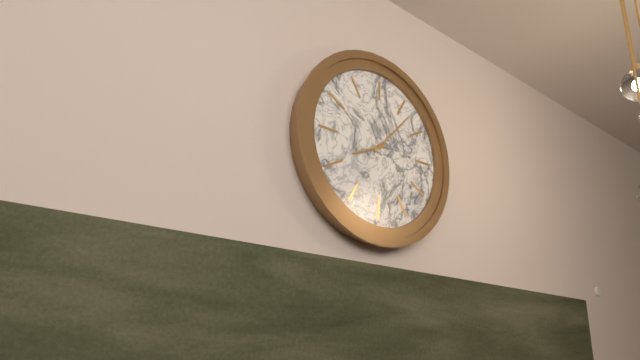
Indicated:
h=8 m=7
